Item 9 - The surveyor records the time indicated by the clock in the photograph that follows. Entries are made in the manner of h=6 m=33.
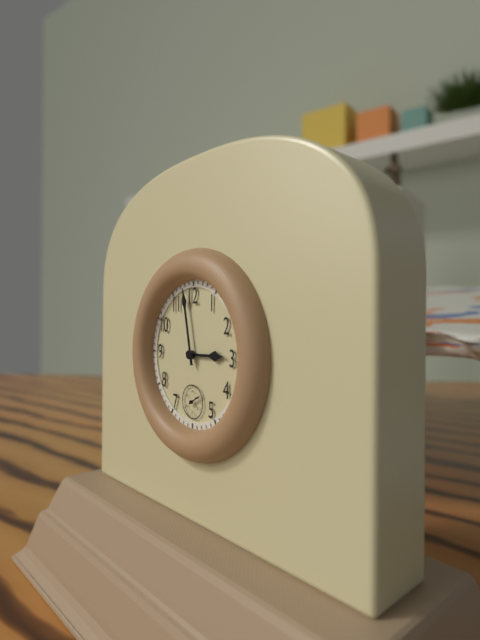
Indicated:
h=2 m=58
